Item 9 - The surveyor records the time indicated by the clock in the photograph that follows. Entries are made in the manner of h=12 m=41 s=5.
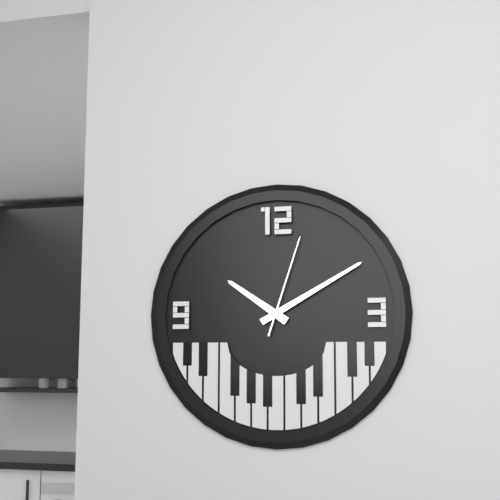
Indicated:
h=10 m=10 s=3
